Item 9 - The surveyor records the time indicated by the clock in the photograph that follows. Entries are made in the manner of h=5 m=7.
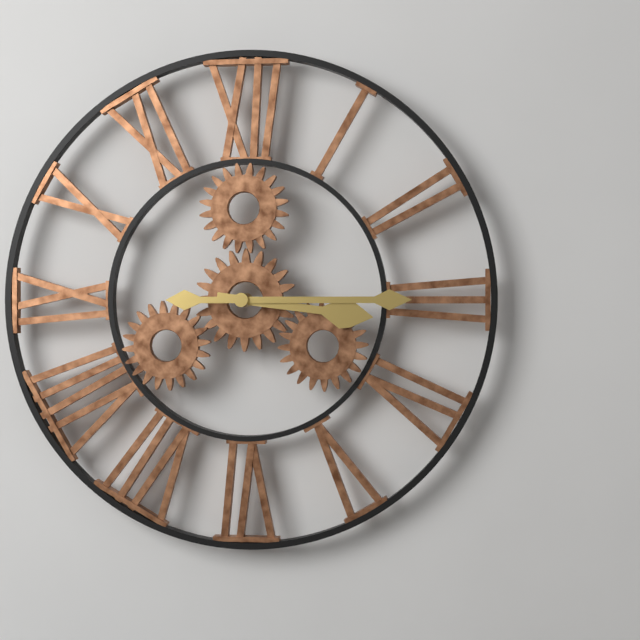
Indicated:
h=3 m=15
